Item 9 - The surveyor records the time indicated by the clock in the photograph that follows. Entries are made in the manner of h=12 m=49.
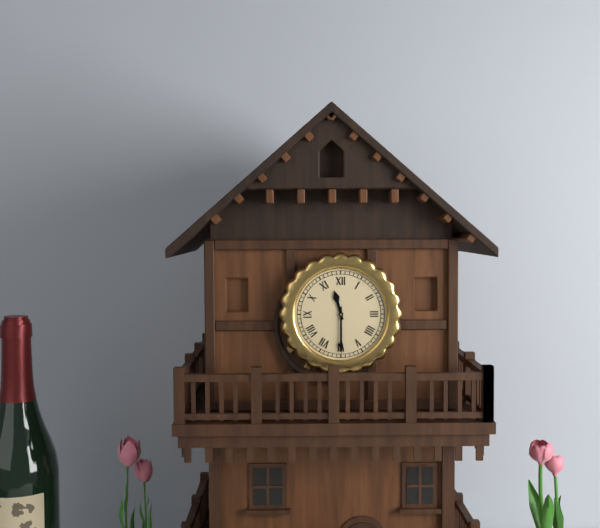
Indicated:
h=11 m=30
